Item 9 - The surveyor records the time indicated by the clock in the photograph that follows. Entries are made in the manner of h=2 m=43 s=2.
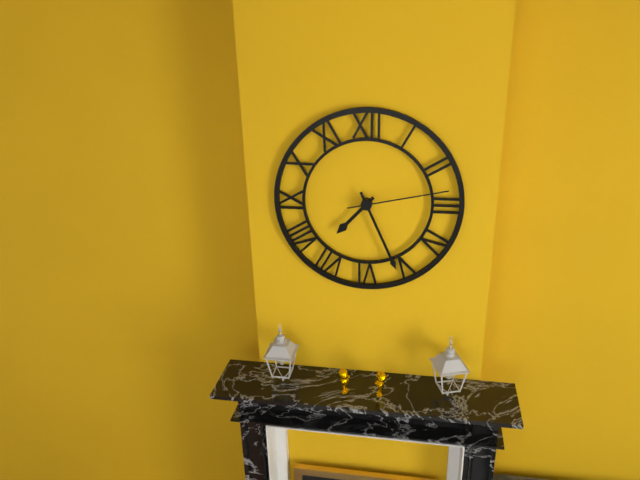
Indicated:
h=7 m=26 s=13
